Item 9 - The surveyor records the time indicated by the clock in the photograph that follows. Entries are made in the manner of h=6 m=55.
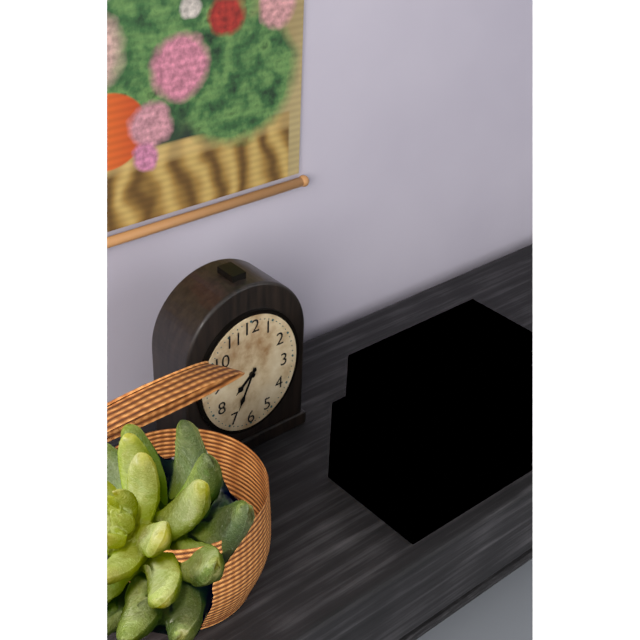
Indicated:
h=7 m=34
